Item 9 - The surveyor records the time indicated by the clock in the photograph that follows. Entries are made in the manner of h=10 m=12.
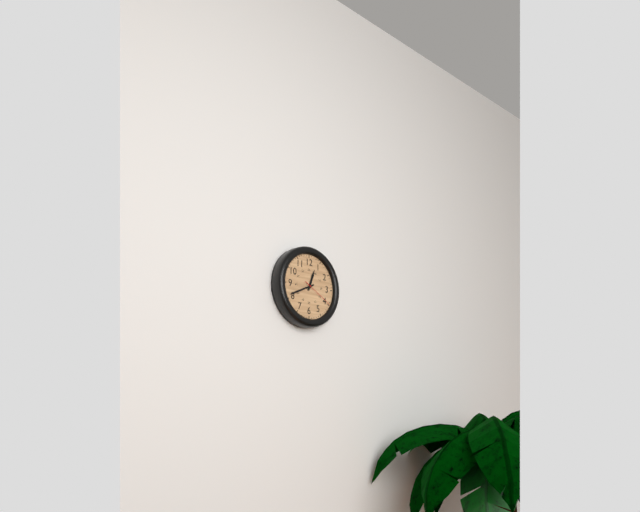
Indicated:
h=12 m=41
